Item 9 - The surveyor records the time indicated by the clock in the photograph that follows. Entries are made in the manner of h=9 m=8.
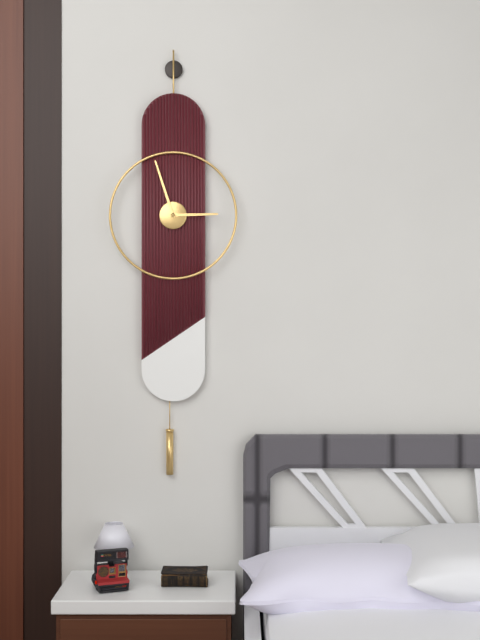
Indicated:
h=2 m=57
